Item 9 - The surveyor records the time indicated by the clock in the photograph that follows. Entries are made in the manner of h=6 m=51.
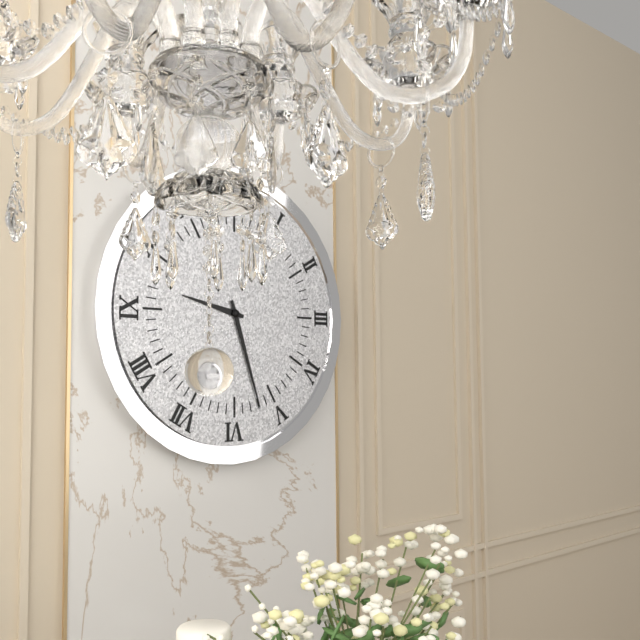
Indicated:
h=9 m=27
